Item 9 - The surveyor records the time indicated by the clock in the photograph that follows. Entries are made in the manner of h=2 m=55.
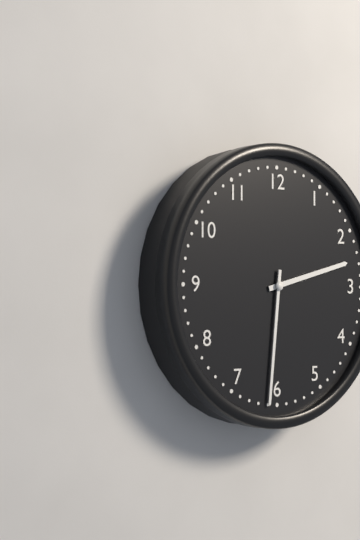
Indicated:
h=2 m=31
